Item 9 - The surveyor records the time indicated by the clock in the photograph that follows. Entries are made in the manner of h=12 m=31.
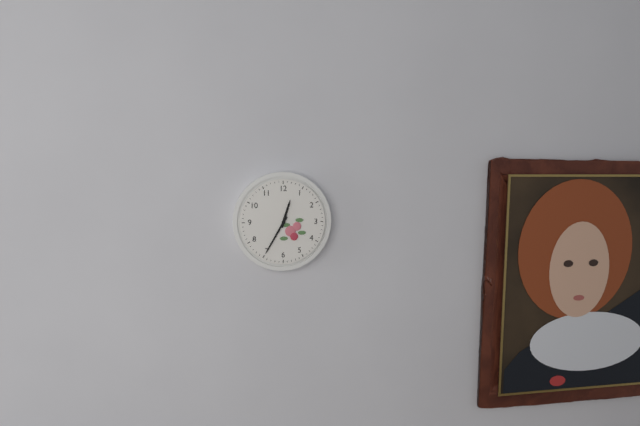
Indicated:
h=12 m=35
